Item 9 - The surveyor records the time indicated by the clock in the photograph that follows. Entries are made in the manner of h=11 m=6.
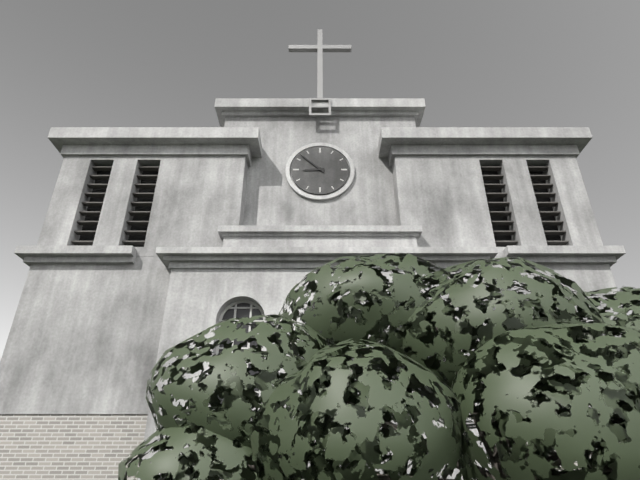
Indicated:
h=8 m=52
